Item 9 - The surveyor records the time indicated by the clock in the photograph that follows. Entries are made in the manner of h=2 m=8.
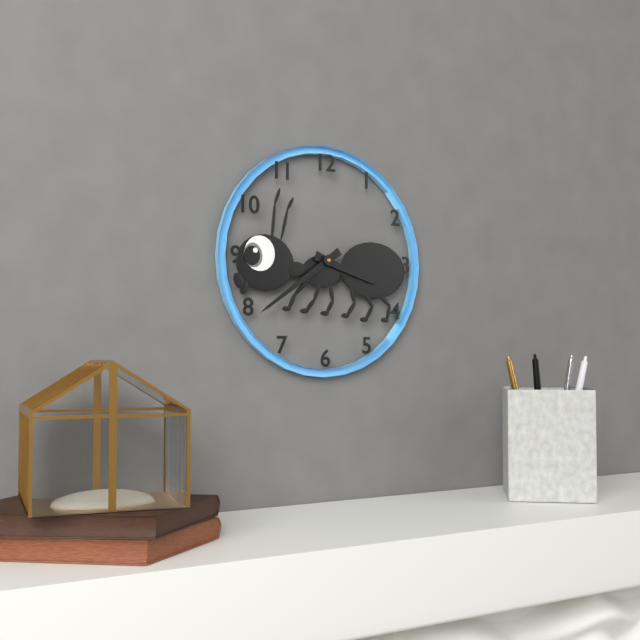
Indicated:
h=3 m=39
